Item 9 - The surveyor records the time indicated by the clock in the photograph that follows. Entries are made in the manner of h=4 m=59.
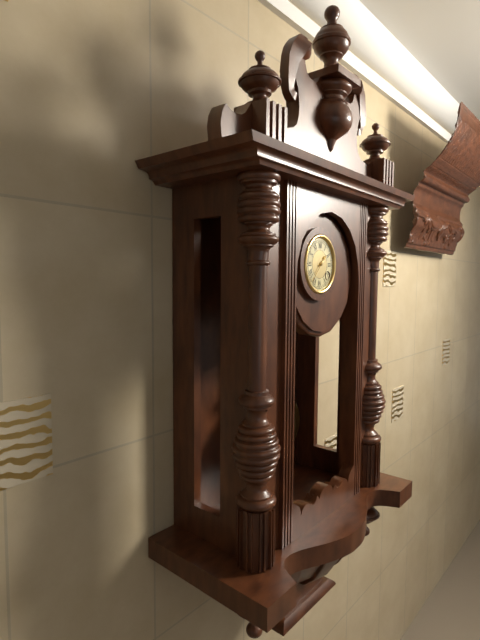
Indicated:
h=1 m=37
